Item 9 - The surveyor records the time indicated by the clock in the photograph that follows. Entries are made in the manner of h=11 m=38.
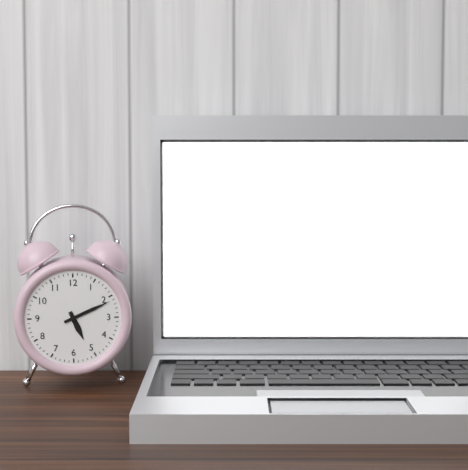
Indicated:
h=5 m=11
